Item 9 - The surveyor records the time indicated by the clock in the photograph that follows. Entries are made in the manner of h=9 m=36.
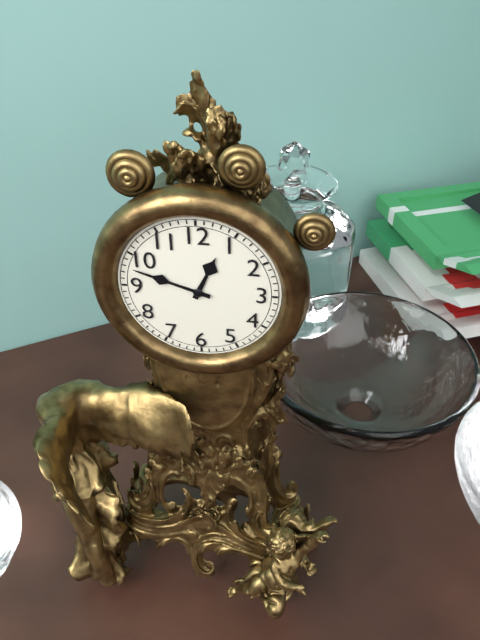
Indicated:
h=12 m=48
